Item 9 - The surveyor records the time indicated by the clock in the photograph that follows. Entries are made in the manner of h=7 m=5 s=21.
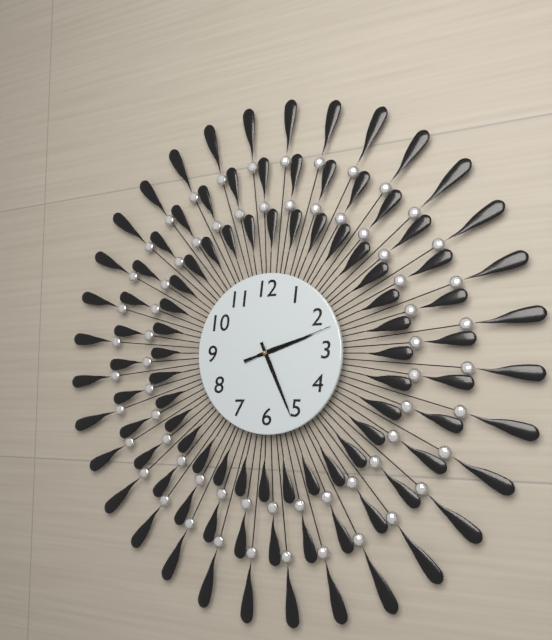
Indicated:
h=2 m=26 s=12
